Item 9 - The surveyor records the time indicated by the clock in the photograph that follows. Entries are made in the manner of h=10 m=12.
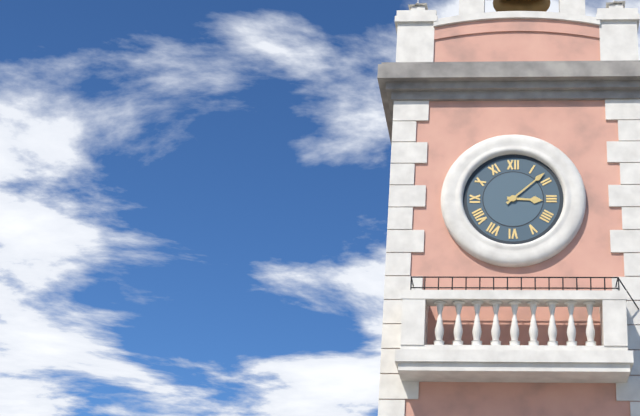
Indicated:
h=3 m=8
